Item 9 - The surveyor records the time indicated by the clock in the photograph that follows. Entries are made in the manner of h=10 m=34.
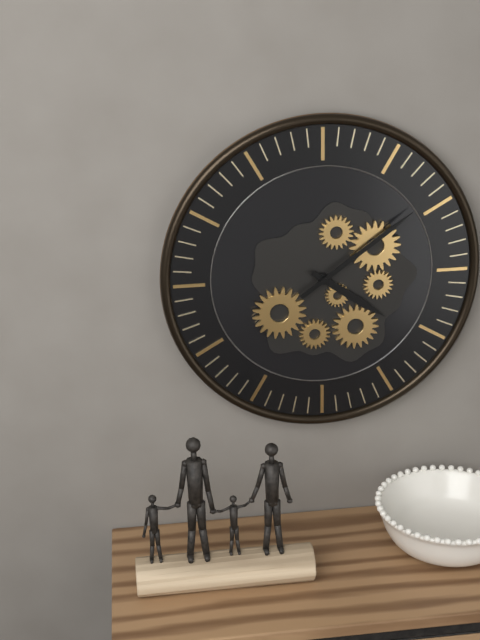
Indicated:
h=4 m=9
